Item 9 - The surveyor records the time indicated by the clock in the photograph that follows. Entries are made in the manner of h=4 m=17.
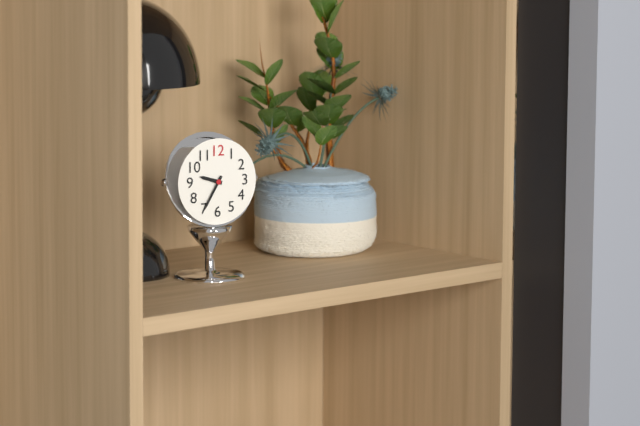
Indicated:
h=9 m=35
